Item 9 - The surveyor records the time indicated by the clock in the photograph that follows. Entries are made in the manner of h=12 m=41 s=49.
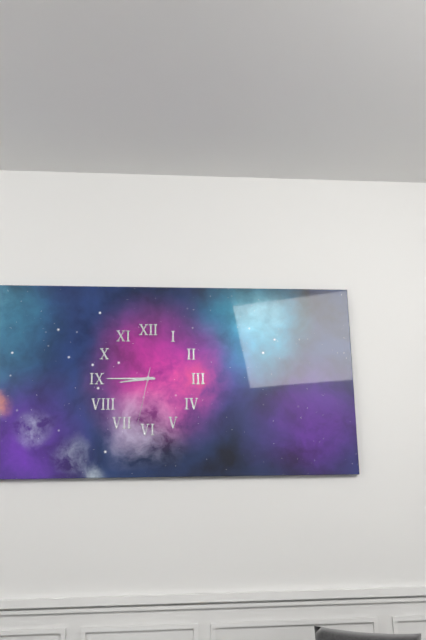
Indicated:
h=8 m=45 s=32
